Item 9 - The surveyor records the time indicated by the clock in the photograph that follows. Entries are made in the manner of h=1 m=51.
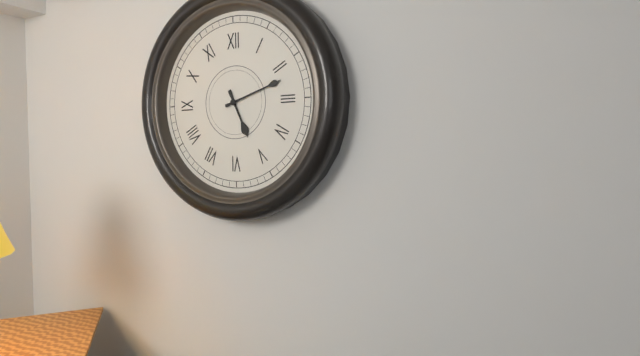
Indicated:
h=5 m=12
